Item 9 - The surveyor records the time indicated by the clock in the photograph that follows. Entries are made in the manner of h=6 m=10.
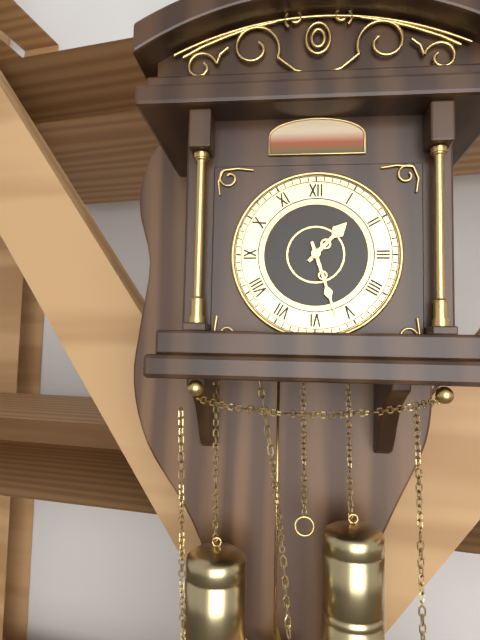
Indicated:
h=1 m=27
